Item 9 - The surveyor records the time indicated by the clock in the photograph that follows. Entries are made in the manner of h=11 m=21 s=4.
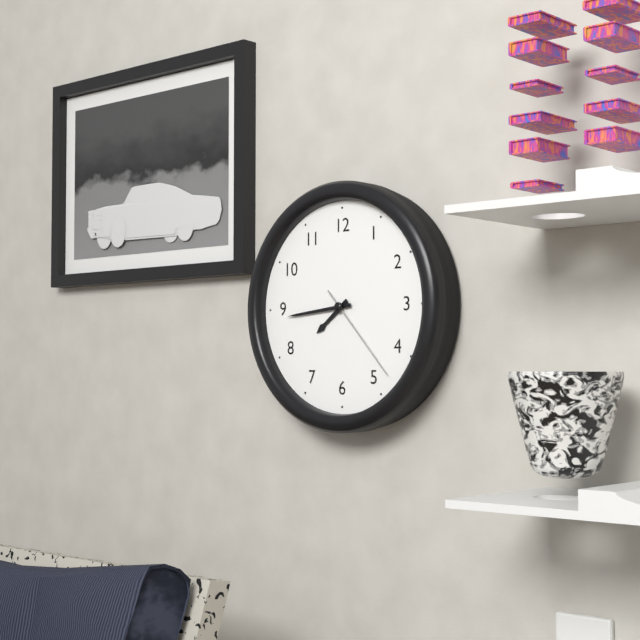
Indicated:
h=7 m=44 s=23
